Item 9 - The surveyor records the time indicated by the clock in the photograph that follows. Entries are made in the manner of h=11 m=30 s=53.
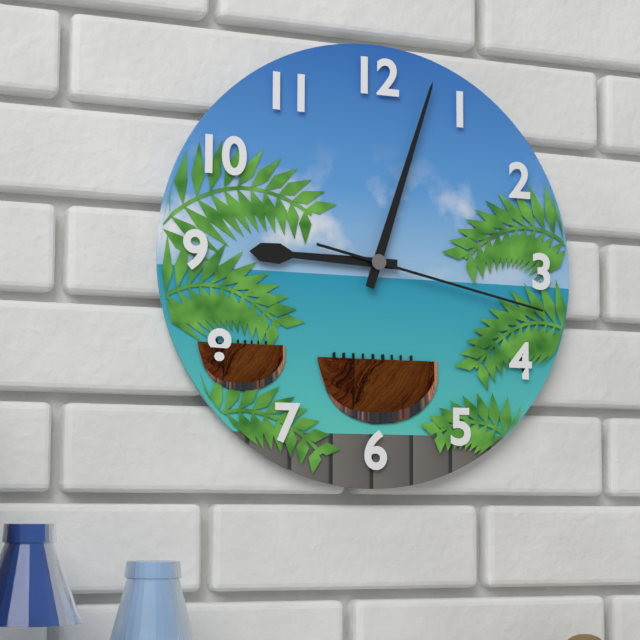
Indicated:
h=9 m=3 s=17
